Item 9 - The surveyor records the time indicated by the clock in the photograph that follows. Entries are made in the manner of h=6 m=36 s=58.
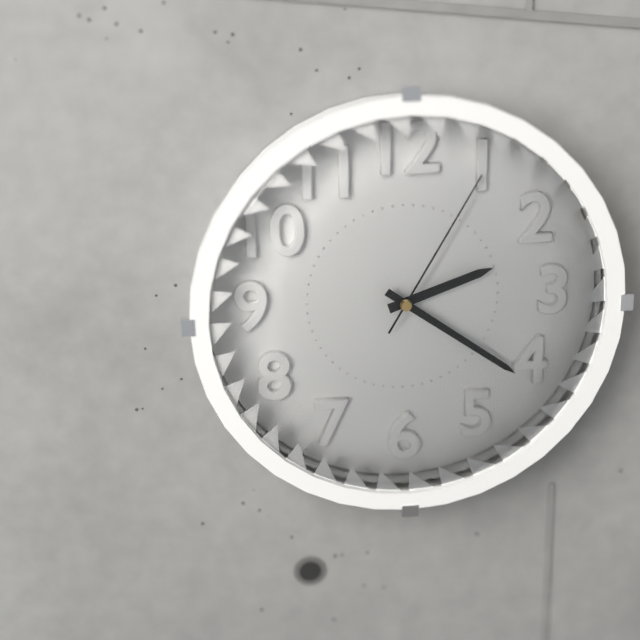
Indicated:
h=2 m=21 s=5
